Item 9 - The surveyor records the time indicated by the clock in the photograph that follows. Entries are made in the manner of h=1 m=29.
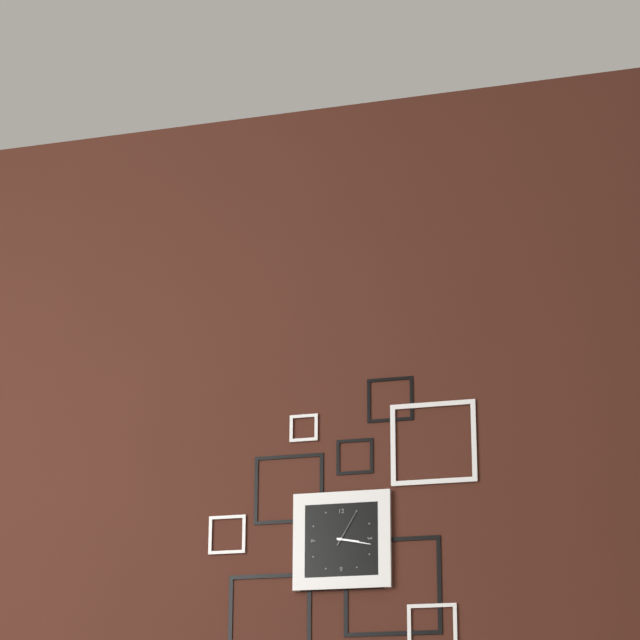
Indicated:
h=3 m=17
